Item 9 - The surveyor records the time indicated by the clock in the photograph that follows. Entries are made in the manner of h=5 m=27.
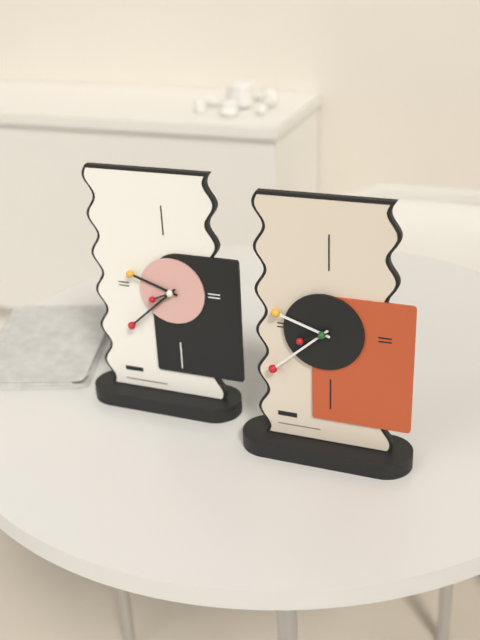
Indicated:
h=9 m=38
